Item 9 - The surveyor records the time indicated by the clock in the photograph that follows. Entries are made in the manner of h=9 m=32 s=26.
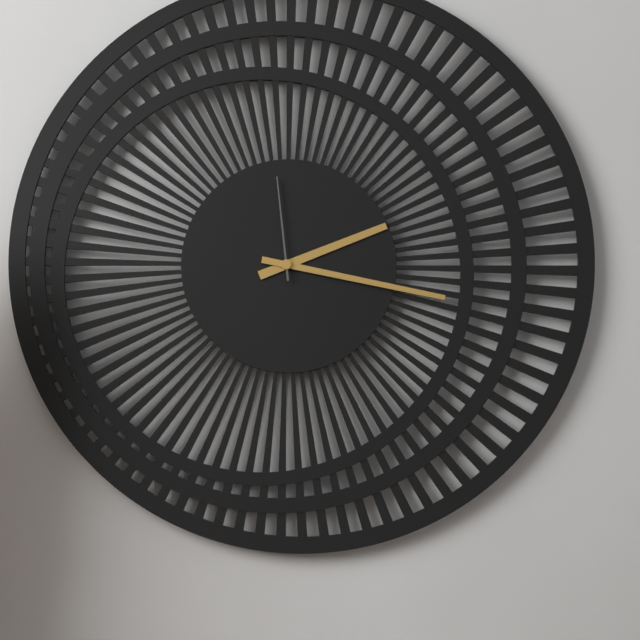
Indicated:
h=2 m=17 s=59
